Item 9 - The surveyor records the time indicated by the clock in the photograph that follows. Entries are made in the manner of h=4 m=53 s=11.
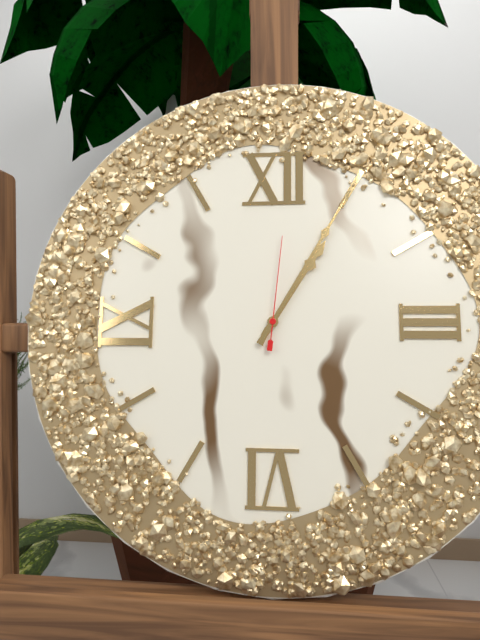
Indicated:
h=1 m=5 s=1
